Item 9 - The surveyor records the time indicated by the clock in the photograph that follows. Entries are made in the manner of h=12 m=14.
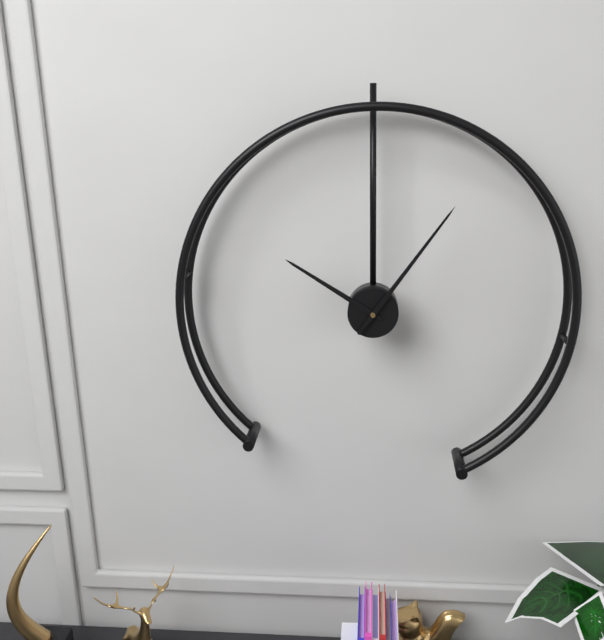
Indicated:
h=10 m=6
